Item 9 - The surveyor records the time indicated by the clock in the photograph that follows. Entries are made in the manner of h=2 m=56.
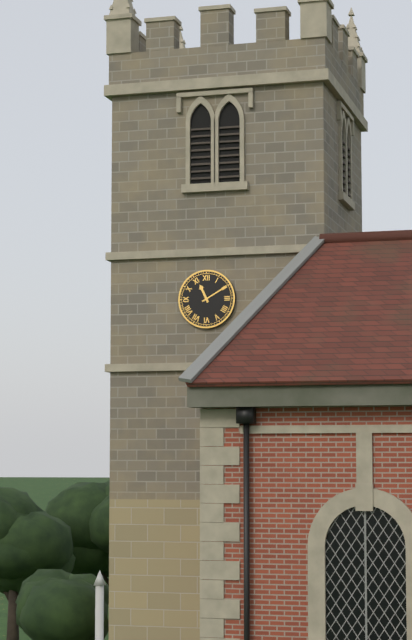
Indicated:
h=11 m=10
